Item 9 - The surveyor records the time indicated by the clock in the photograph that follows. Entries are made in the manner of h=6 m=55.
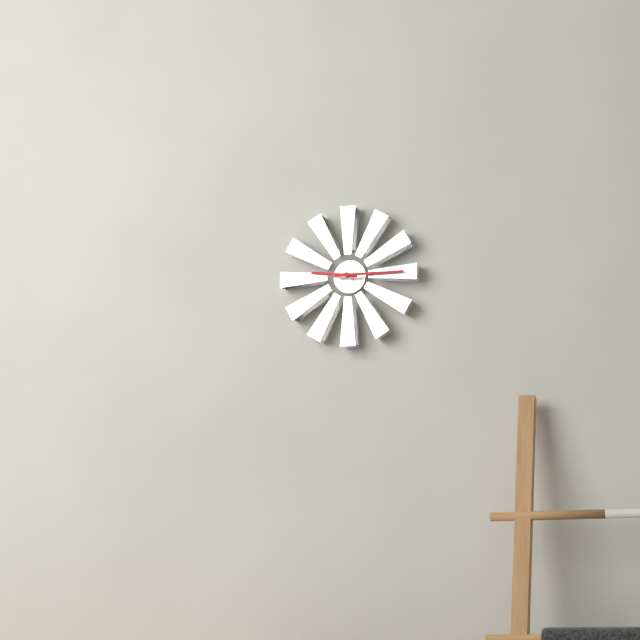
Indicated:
h=9 m=15
